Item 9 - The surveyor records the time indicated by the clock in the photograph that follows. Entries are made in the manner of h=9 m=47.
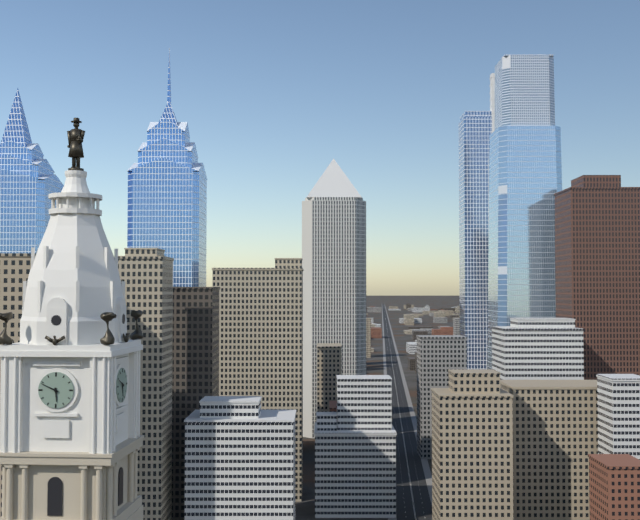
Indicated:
h=5 m=49
